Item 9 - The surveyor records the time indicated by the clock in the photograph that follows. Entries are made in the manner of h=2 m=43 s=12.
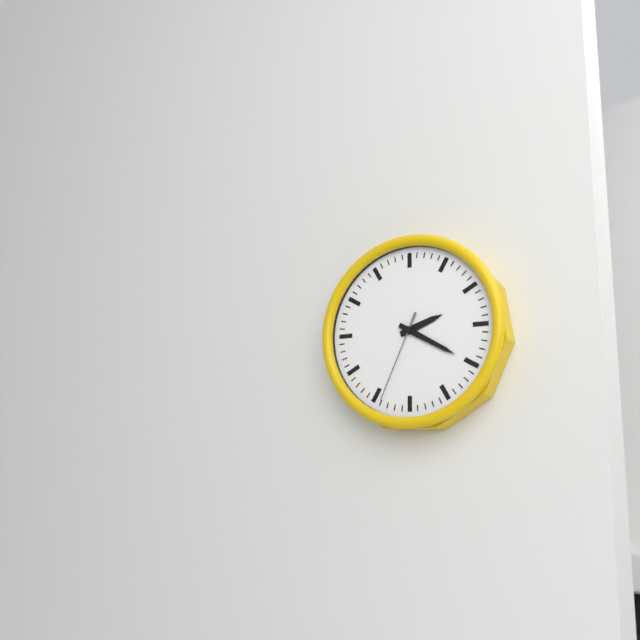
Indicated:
h=2 m=20 s=34
